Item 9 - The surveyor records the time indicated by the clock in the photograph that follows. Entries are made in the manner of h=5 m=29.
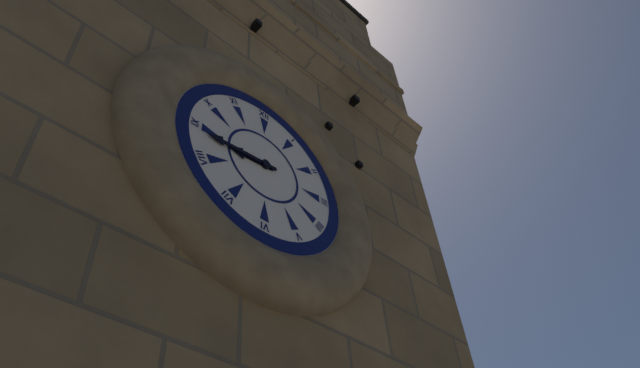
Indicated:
h=8 m=44
